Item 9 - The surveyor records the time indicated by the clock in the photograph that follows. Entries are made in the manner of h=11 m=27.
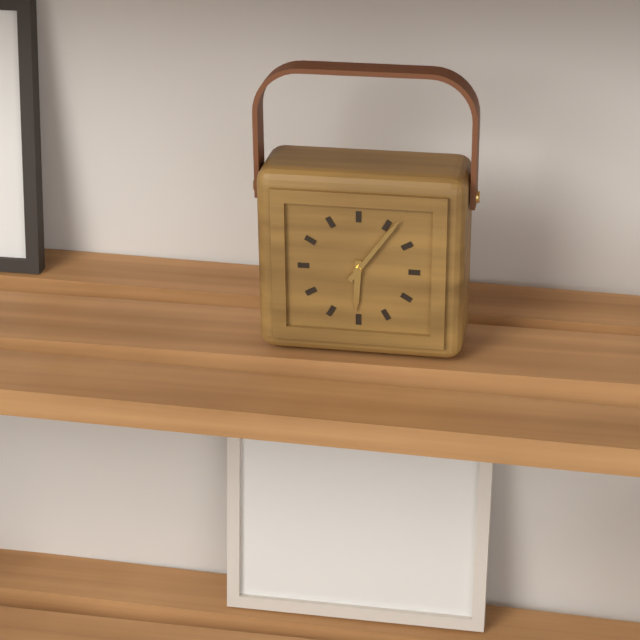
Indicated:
h=6 m=6
